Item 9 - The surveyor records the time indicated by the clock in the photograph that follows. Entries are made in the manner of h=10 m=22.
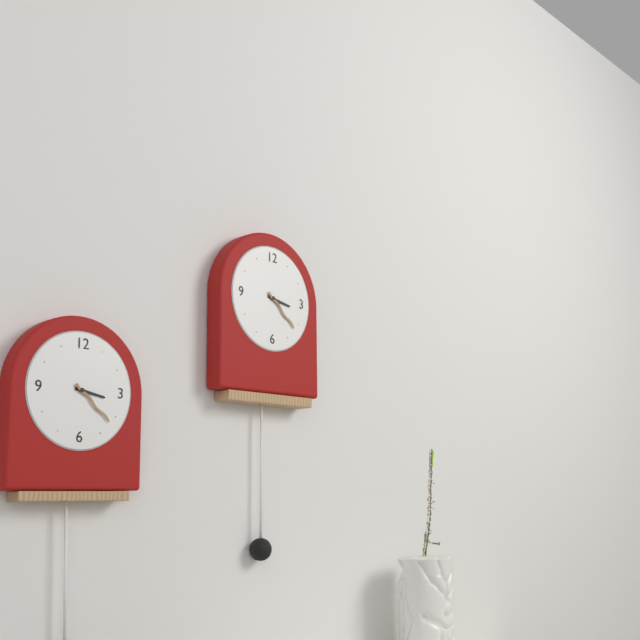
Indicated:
h=3 m=22
